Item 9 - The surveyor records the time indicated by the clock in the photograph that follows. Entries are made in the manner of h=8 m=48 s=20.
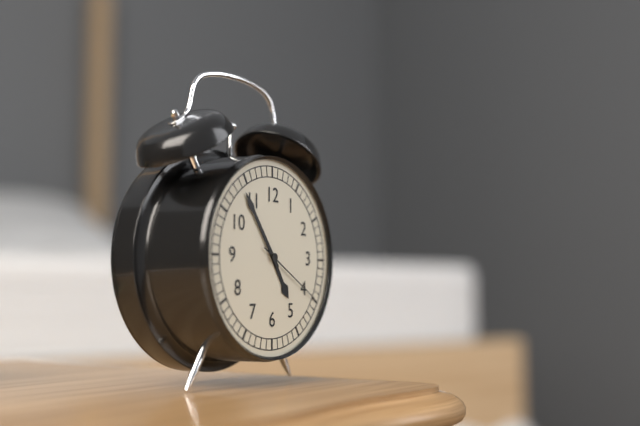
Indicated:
h=4 m=54 s=20
